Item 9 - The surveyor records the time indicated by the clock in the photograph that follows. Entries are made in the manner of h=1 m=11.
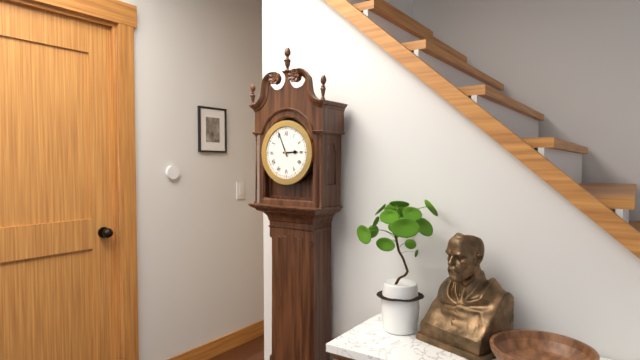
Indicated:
h=2 m=56
